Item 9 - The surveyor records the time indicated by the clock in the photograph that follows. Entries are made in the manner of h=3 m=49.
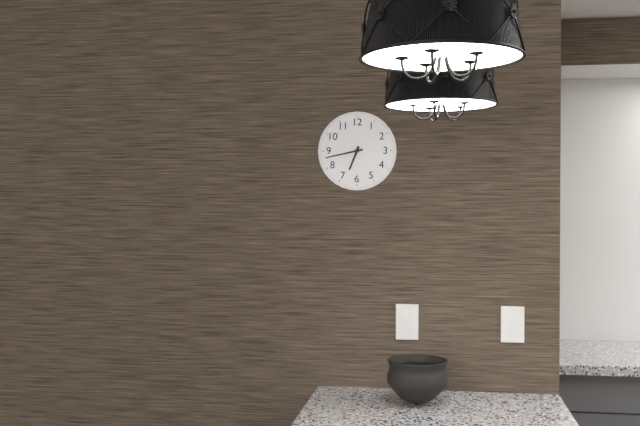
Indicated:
h=6 m=43
